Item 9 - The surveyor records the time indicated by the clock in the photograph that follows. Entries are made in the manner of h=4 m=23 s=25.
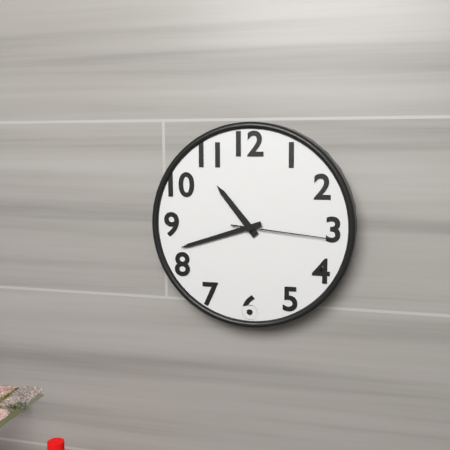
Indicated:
h=10 m=42 s=16
